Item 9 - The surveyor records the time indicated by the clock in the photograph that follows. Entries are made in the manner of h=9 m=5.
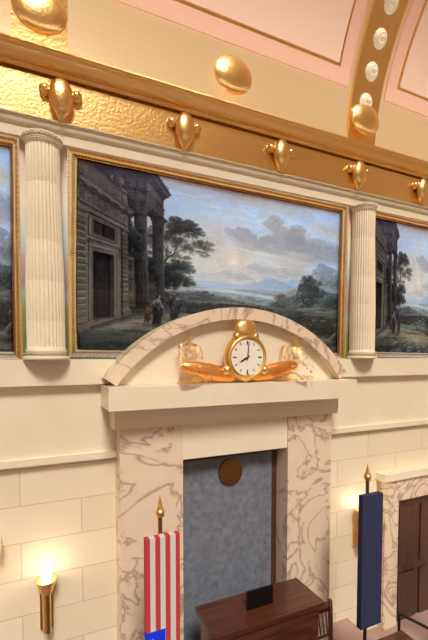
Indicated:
h=8 m=1
